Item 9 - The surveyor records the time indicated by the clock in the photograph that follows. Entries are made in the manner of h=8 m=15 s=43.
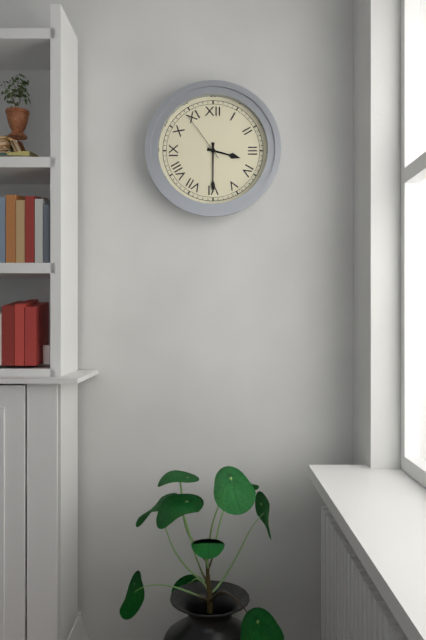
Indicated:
h=3 m=30 s=54
